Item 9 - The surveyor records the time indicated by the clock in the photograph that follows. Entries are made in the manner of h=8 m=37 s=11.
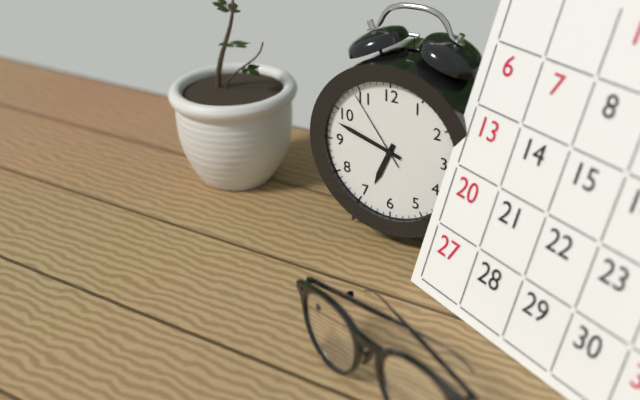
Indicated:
h=6 m=48 s=54
